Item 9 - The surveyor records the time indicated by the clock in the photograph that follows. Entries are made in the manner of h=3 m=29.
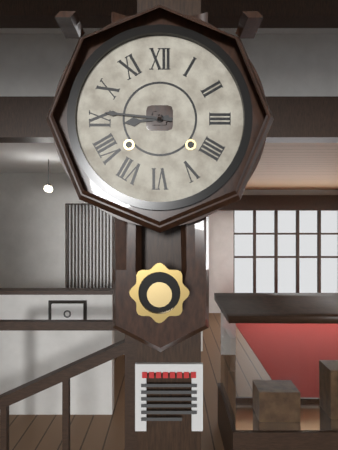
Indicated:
h=8 m=46
